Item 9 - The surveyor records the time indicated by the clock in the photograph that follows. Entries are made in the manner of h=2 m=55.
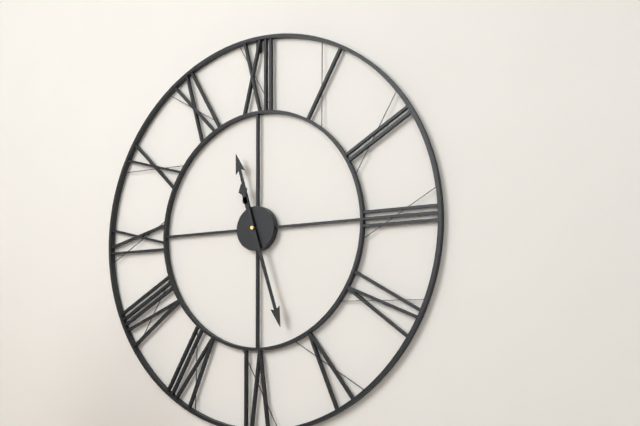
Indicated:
h=11 m=27
